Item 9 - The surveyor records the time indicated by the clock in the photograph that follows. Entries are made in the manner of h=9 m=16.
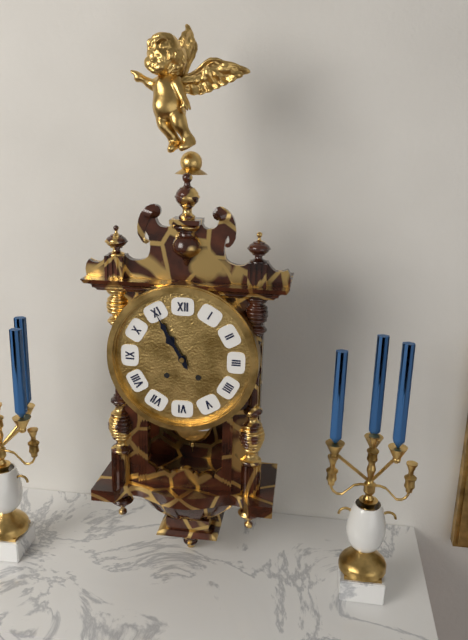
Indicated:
h=10 m=55
